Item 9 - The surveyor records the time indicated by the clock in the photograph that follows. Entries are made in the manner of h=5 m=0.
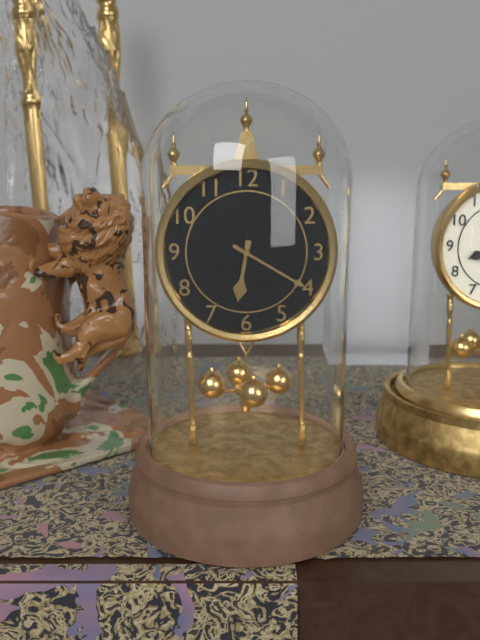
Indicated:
h=6 m=20
